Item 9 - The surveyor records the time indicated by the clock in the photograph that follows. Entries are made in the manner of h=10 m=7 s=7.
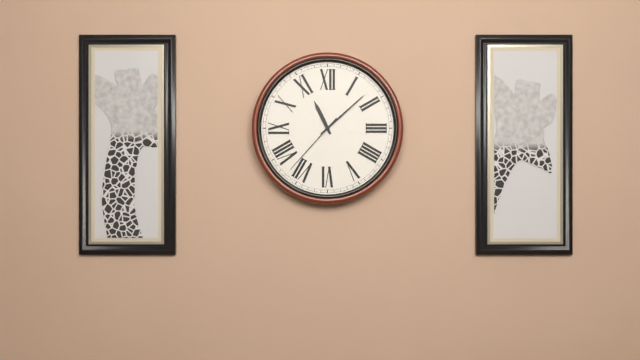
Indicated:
h=11 m=8 s=37
